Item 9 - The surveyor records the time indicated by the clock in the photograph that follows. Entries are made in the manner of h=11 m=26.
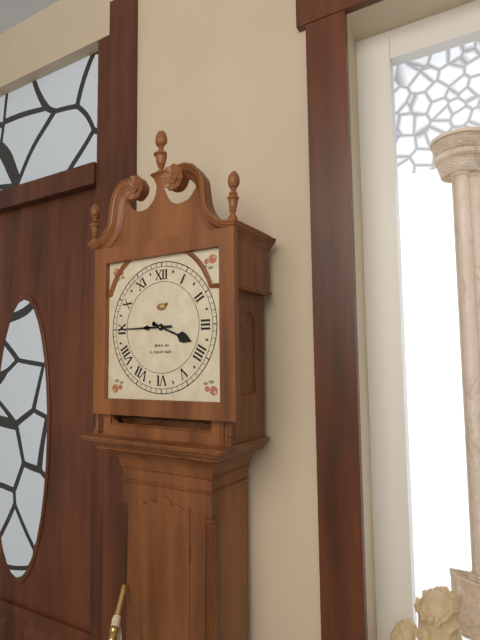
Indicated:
h=3 m=45
